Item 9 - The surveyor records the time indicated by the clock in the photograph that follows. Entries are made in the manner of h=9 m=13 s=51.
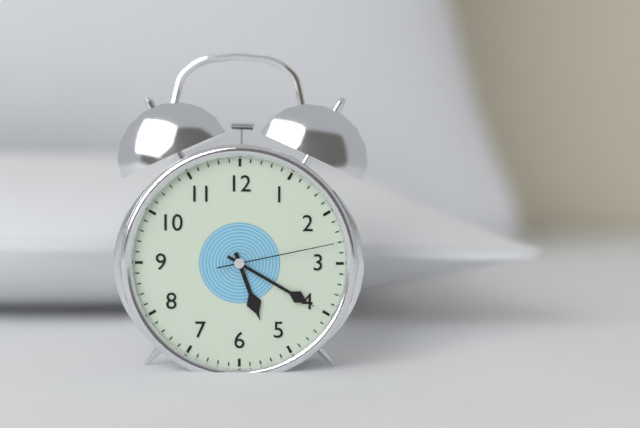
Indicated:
h=5 m=20 s=13
